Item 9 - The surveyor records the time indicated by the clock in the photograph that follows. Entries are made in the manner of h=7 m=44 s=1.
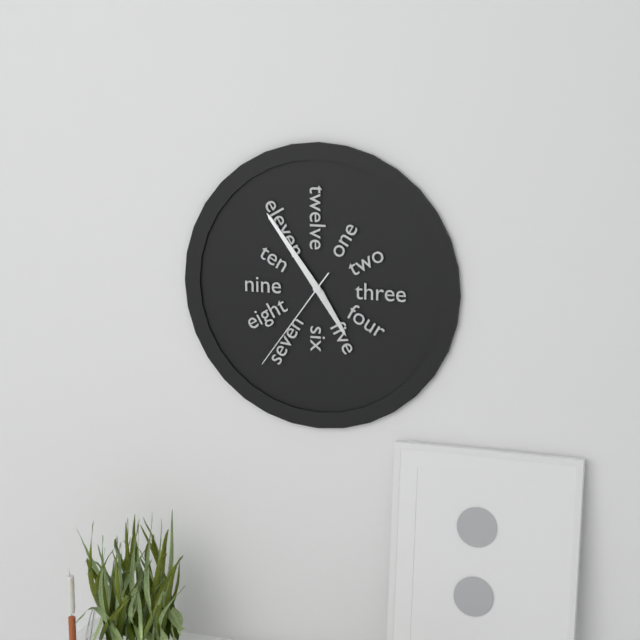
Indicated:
h=4 m=54 s=36
